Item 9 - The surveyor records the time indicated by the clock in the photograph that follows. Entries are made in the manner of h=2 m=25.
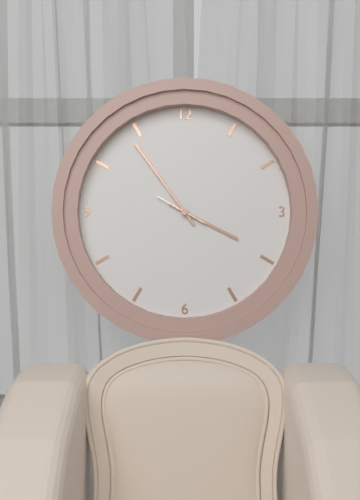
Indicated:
h=3 m=54
